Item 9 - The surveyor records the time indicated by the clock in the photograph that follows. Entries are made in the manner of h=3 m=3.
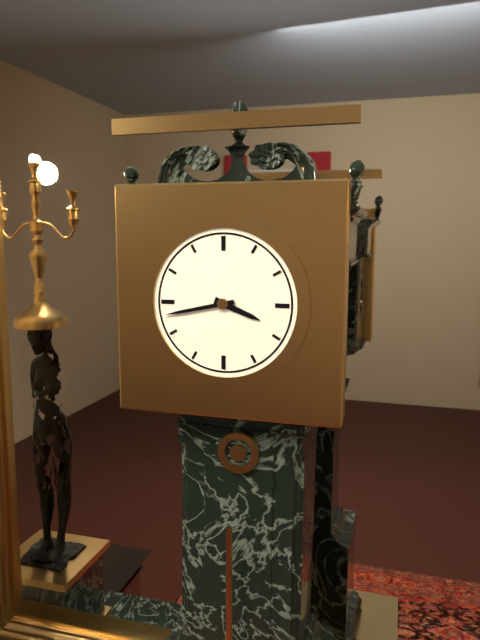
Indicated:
h=3 m=43
